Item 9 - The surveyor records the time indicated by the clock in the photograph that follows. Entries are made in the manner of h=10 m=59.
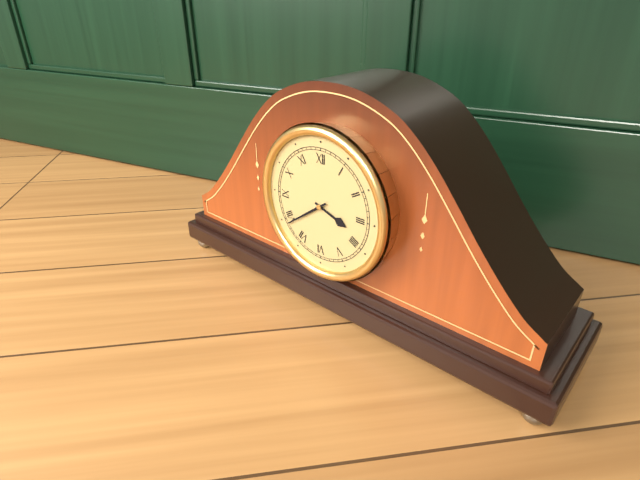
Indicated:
h=3 m=39
